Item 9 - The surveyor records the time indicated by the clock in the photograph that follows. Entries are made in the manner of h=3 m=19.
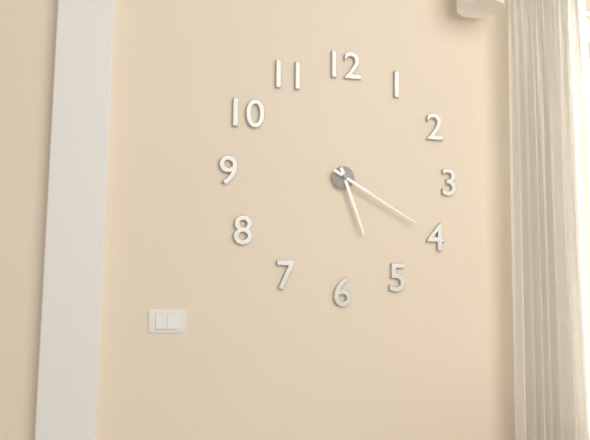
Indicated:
h=5 m=20
